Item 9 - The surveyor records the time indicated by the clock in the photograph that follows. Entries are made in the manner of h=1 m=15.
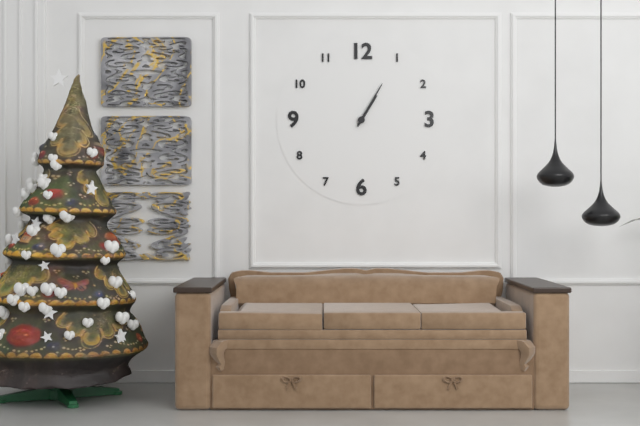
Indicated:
h=1 m=5
